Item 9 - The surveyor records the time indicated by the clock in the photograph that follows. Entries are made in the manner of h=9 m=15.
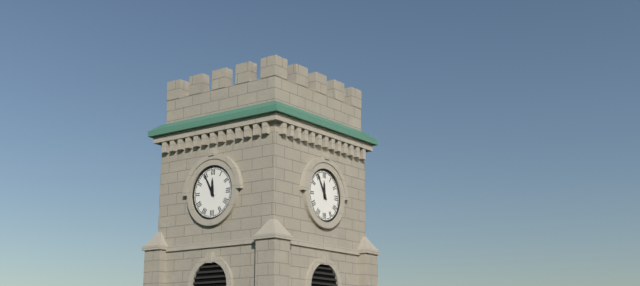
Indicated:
h=11 m=55
